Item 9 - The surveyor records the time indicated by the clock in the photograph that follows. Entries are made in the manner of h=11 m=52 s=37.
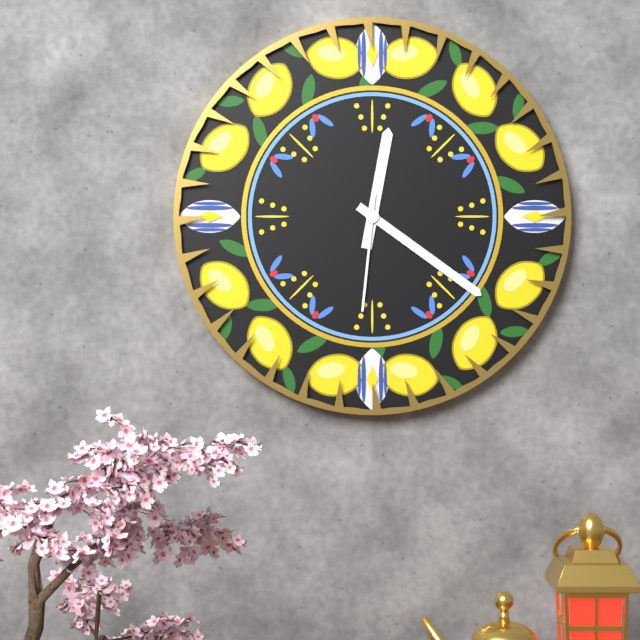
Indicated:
h=12 m=21 s=31
